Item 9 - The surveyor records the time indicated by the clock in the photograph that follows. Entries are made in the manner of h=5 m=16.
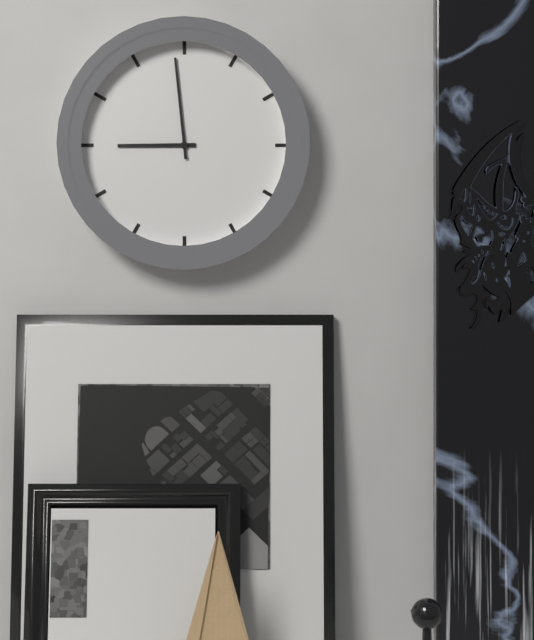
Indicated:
h=8 m=59
